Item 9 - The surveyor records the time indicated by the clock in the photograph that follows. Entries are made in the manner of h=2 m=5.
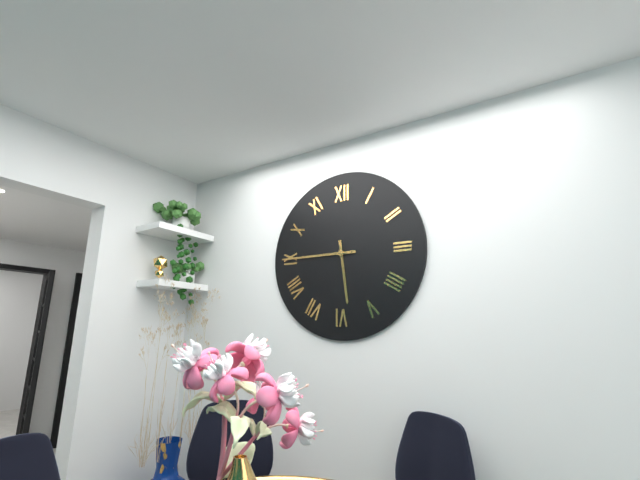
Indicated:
h=5 m=45
